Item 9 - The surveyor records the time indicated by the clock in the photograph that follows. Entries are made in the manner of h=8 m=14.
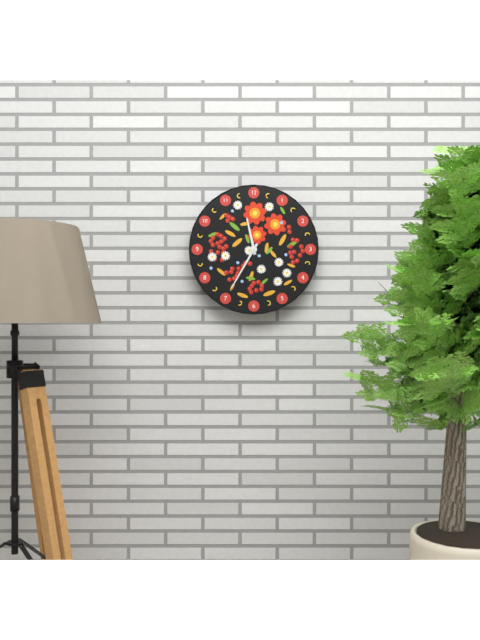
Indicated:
h=11 m=35
